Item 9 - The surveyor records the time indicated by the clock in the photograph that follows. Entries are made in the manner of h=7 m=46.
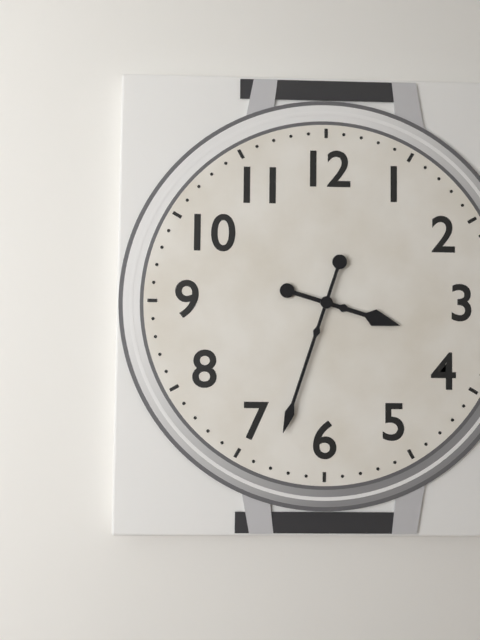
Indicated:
h=3 m=33
